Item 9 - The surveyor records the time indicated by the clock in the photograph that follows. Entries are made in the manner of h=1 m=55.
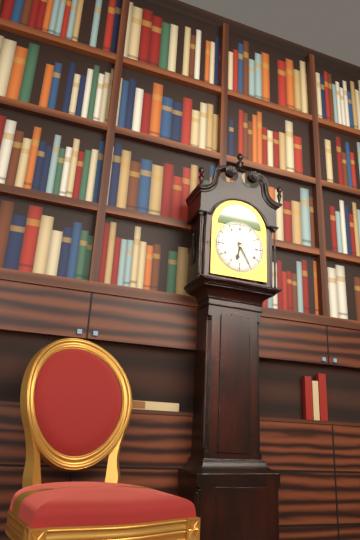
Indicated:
h=6 m=25
